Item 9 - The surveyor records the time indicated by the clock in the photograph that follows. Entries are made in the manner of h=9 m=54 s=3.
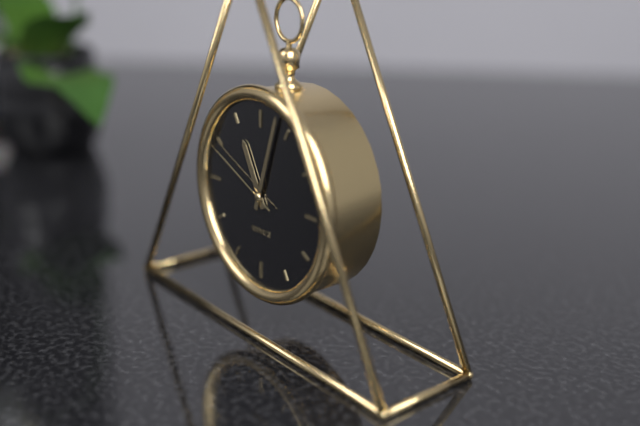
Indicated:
h=11 m=3 s=49
